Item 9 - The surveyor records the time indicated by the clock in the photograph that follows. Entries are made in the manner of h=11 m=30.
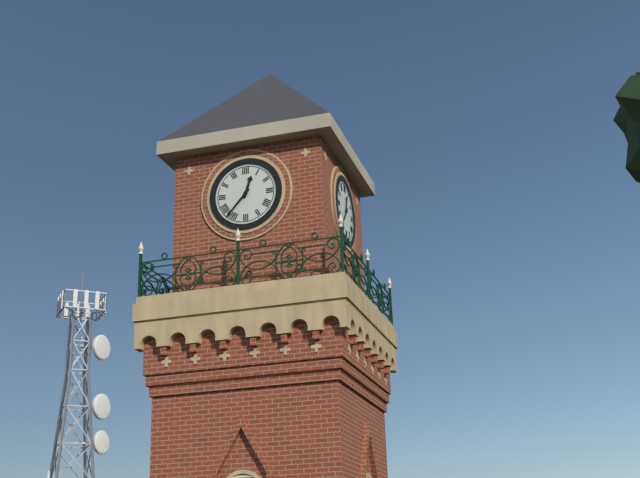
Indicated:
h=12 m=37
